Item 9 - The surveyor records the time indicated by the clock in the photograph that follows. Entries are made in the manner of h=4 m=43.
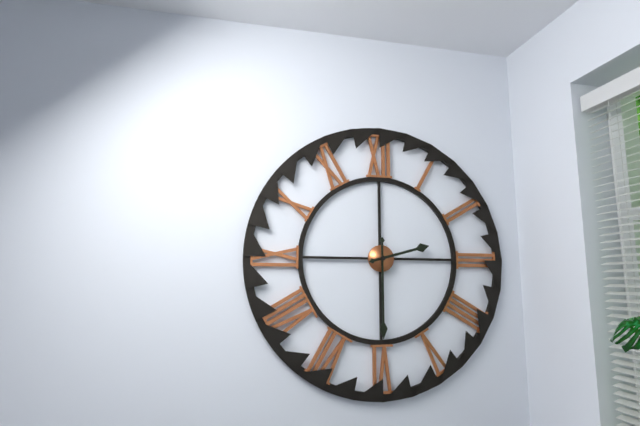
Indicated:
h=2 m=30
